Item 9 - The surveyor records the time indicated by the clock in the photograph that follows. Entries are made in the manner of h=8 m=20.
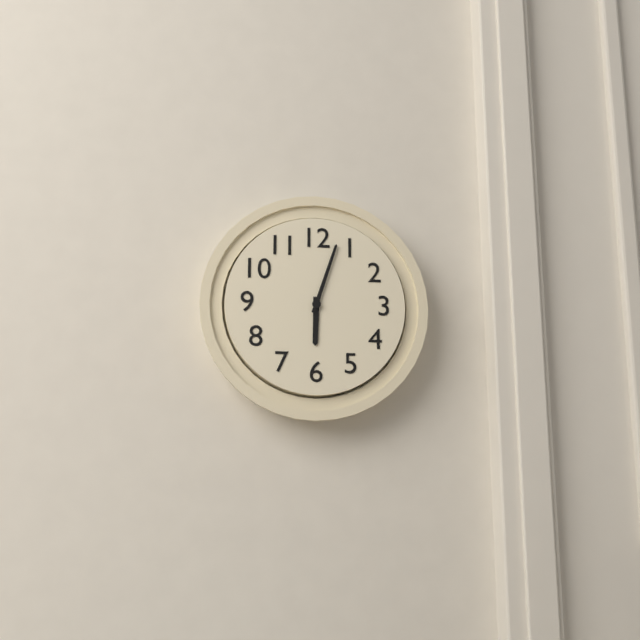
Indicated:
h=6 m=3
